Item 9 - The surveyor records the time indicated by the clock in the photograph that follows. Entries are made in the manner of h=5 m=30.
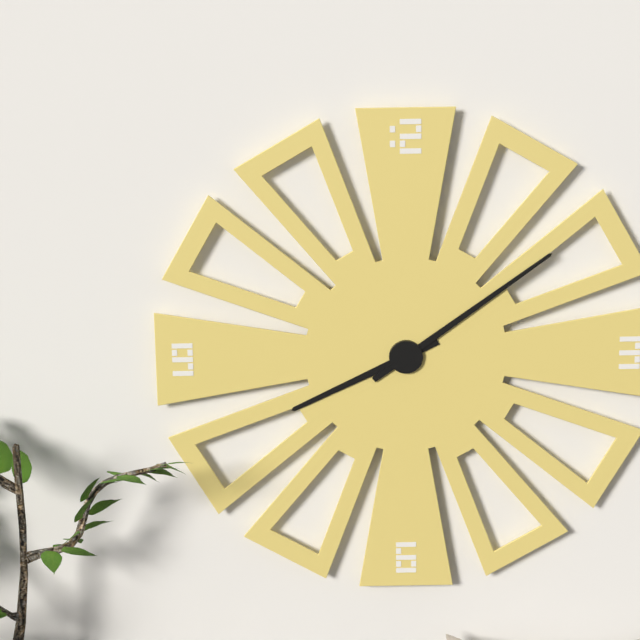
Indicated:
h=8 m=9
